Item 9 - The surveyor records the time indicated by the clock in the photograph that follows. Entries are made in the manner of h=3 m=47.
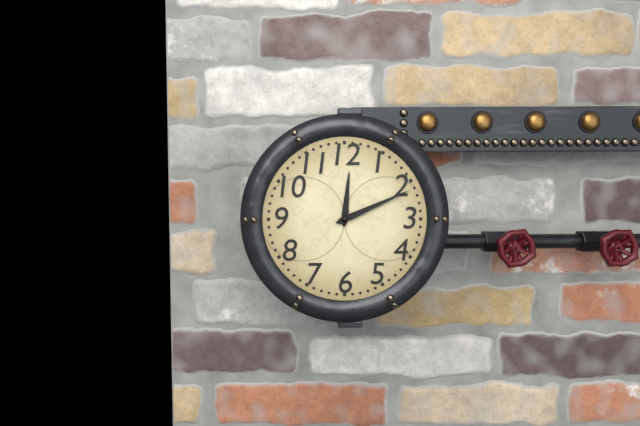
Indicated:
h=12 m=11
